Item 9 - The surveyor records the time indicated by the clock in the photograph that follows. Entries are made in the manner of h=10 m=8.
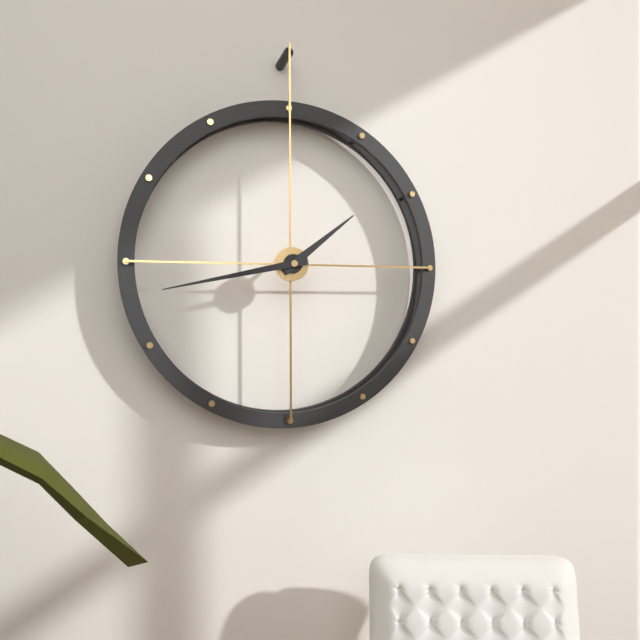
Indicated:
h=1 m=43
